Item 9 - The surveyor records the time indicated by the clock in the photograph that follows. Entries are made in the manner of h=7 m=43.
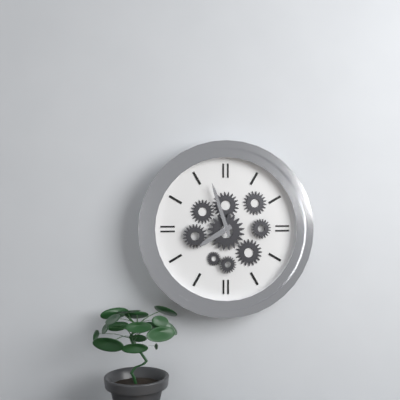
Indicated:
h=7 m=57
